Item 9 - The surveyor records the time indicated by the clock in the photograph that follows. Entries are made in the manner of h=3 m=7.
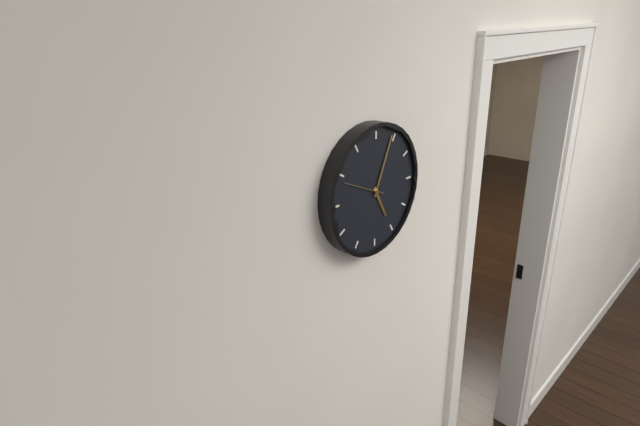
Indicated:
h=5 m=4
